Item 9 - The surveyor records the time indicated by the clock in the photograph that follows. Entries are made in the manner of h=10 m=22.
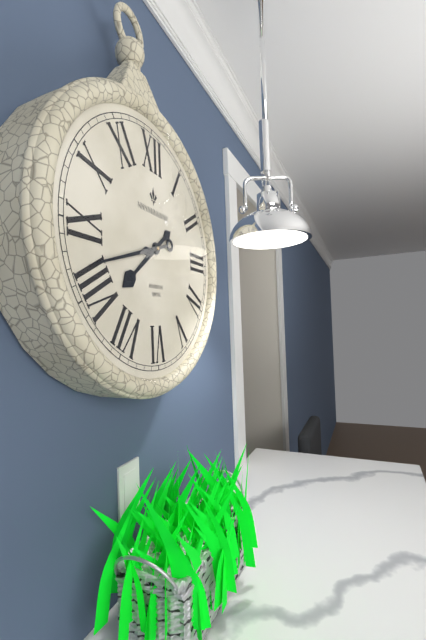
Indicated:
h=7 m=42
